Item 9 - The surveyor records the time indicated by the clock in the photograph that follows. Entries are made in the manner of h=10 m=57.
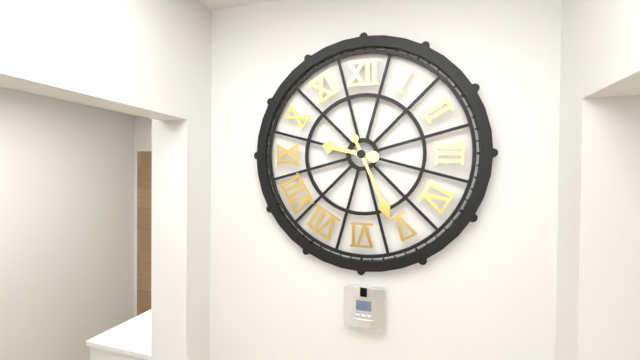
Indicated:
h=9 m=26
